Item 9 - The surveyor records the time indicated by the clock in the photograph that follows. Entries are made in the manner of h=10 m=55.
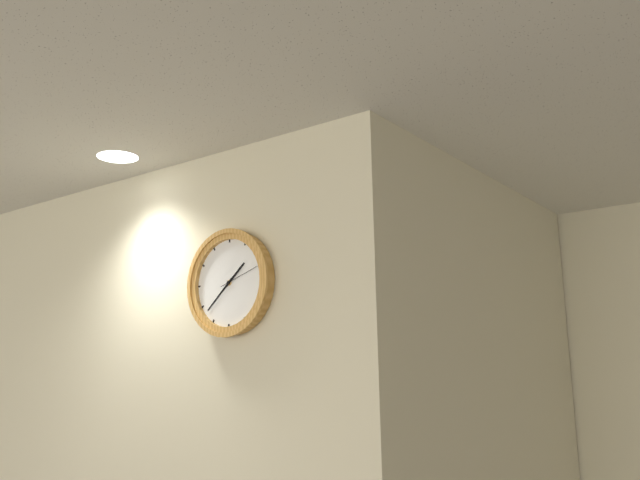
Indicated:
h=1 m=38
